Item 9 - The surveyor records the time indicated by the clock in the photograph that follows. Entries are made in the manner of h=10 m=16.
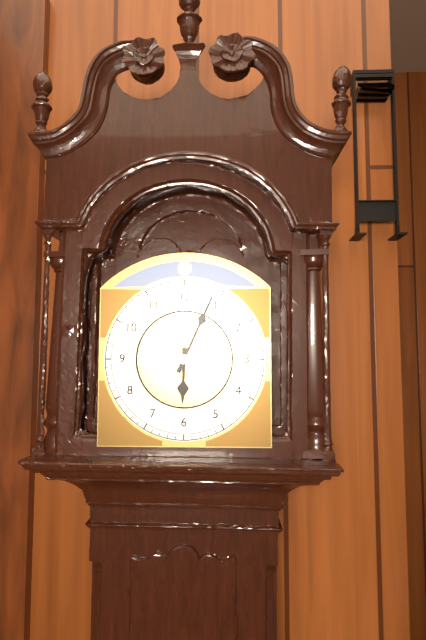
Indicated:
h=6 m=4
